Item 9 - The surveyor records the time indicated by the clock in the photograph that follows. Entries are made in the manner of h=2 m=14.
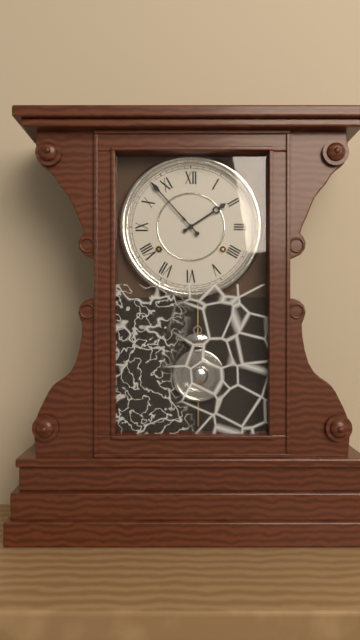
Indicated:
h=1 m=53
